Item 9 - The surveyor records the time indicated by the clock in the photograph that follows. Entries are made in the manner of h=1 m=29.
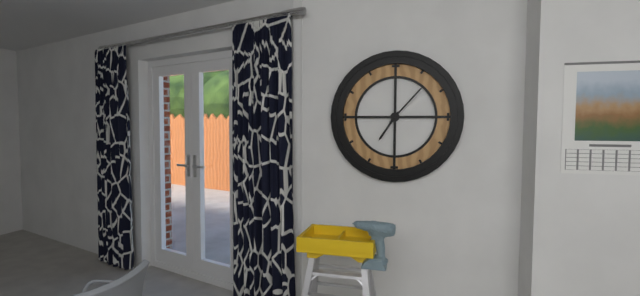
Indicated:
h=7 m=7
